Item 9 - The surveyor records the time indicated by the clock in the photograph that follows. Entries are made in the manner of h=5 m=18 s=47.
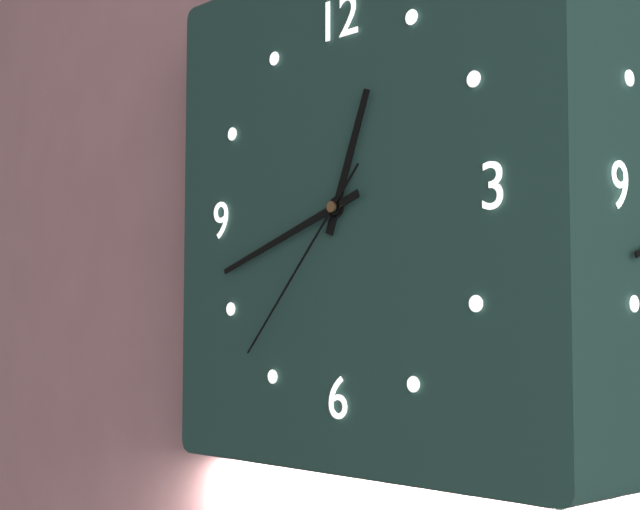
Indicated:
h=12 m=42 s=37
